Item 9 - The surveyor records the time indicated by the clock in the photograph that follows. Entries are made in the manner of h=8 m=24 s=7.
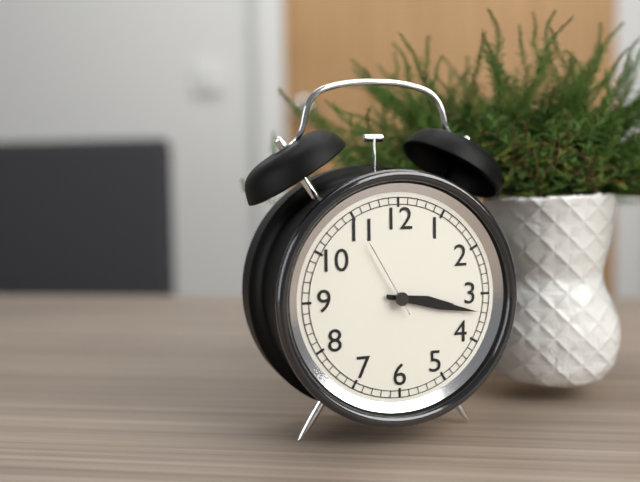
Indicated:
h=3 m=17 s=55
